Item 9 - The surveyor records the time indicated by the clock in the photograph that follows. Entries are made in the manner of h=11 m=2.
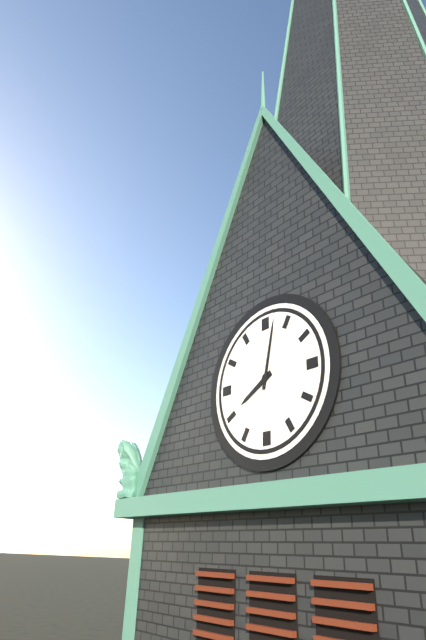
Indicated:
h=8 m=2
